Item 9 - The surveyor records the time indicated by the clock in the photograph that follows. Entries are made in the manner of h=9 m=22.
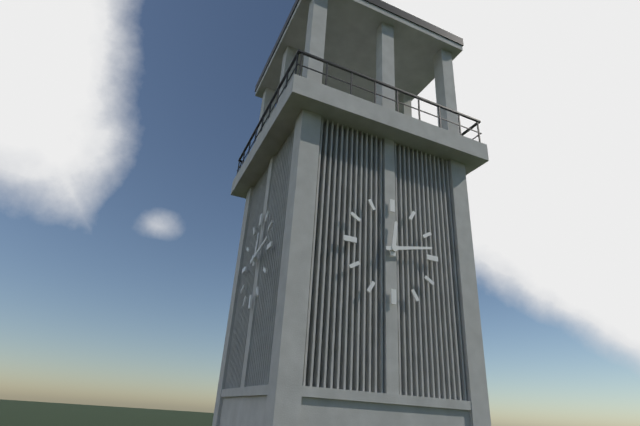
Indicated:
h=12 m=13
